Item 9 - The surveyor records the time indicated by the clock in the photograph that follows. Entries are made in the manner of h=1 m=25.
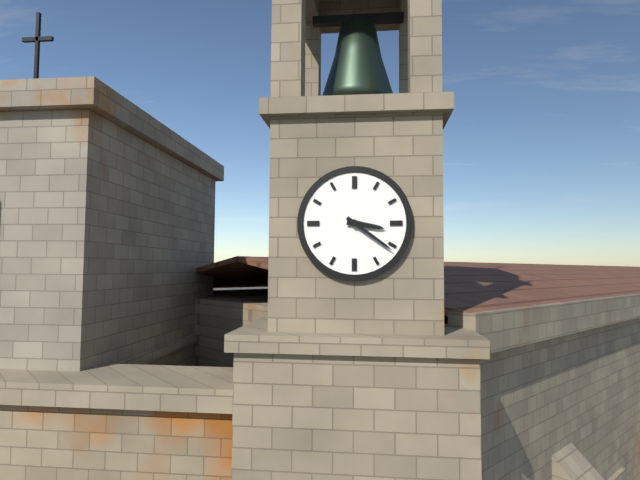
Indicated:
h=3 m=21
